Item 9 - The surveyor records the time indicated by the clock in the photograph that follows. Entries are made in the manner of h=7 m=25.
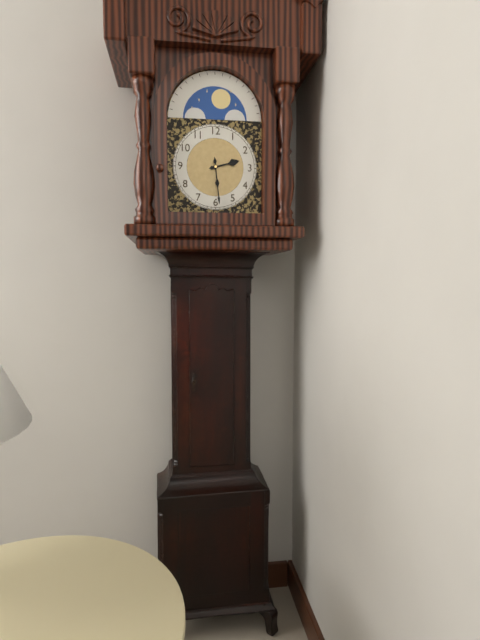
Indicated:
h=2 m=29
